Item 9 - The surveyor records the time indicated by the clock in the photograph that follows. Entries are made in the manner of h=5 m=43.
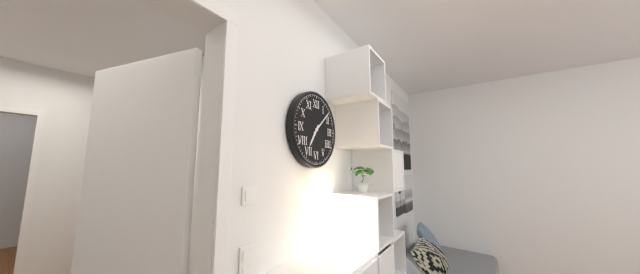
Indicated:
h=7 m=8
